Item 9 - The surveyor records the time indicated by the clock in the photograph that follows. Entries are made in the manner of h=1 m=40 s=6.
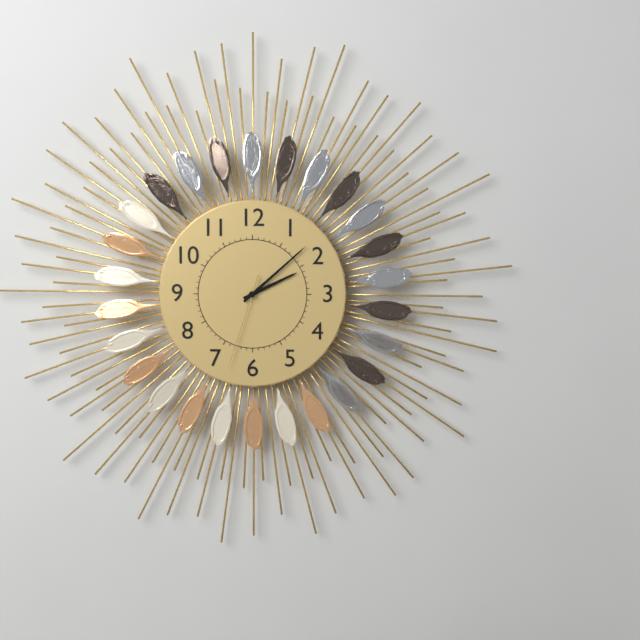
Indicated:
h=2 m=8 s=33
